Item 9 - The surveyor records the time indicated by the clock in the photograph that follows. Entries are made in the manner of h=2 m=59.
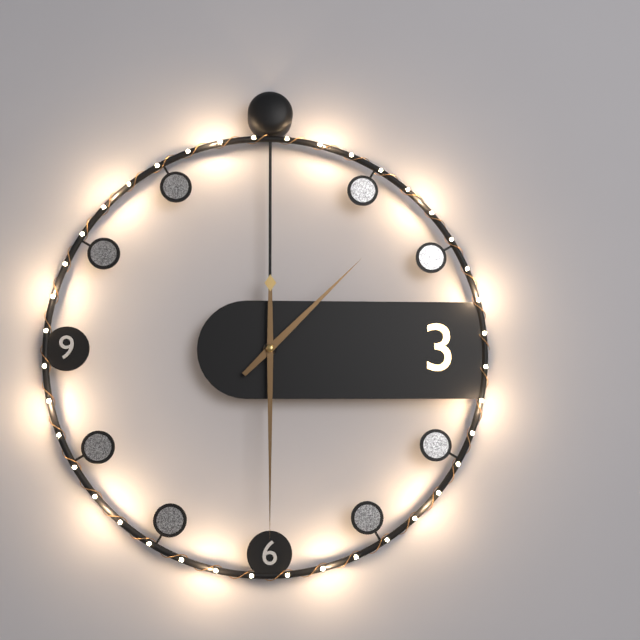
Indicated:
h=1 m=30
